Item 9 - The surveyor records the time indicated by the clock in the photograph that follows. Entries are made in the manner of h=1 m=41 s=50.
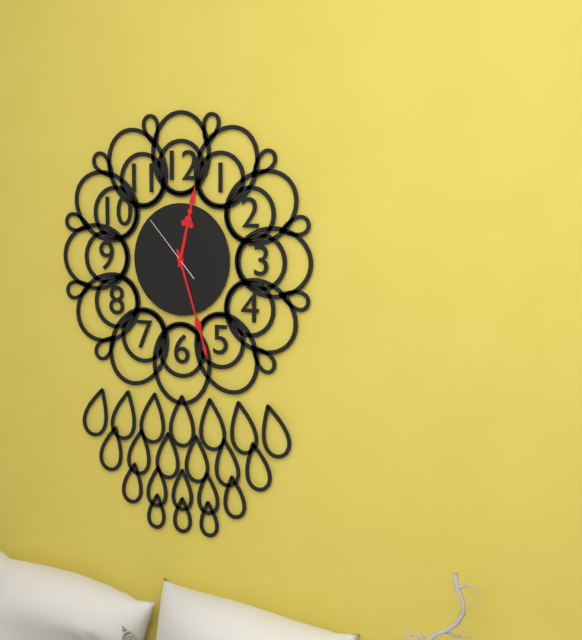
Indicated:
h=12 m=27 s=53
